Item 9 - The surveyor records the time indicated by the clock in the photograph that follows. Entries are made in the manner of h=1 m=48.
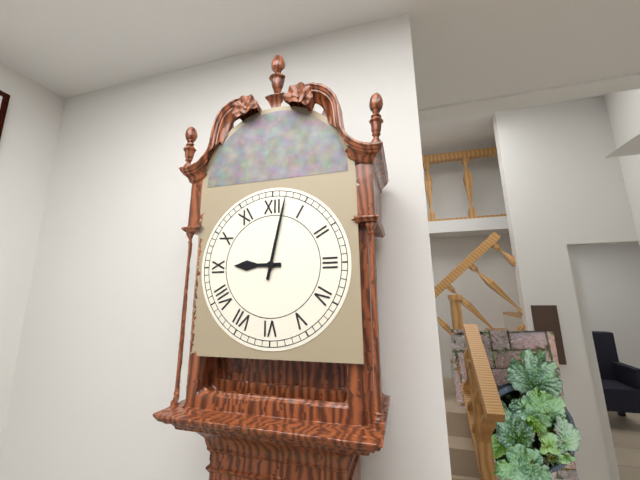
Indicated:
h=9 m=2
